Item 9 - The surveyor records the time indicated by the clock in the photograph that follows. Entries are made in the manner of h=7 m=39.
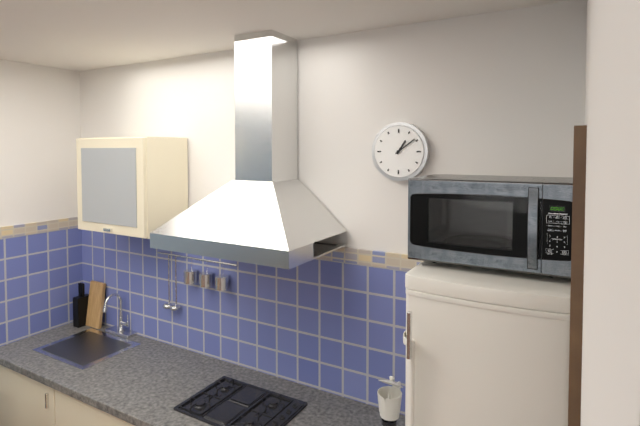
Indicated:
h=1 m=9
